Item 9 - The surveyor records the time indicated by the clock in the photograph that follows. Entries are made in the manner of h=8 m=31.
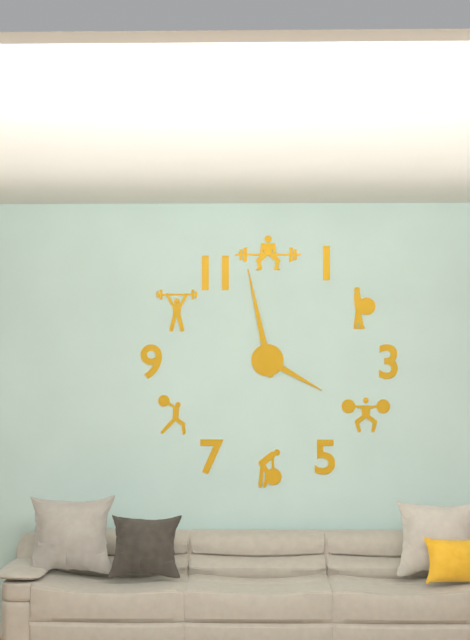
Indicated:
h=3 m=58
